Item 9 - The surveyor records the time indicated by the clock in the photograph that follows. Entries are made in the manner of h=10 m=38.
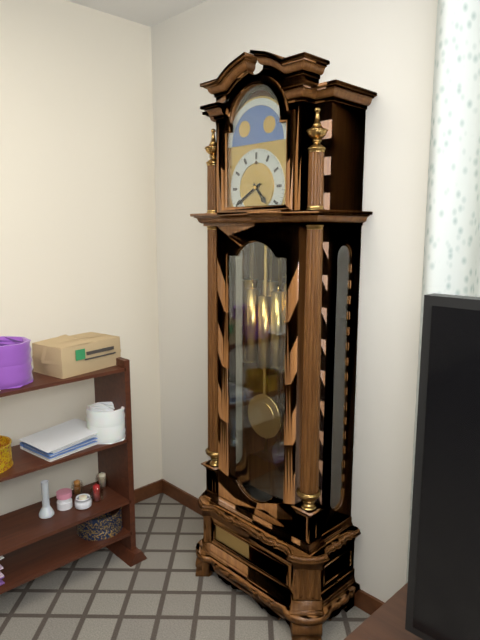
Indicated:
h=4 m=40
